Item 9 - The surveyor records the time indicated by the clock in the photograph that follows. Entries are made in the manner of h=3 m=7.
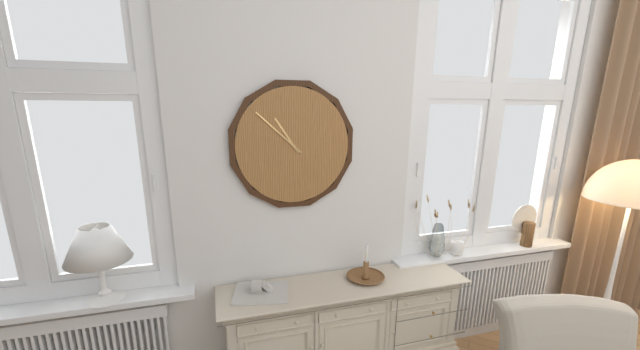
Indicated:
h=10 m=52
